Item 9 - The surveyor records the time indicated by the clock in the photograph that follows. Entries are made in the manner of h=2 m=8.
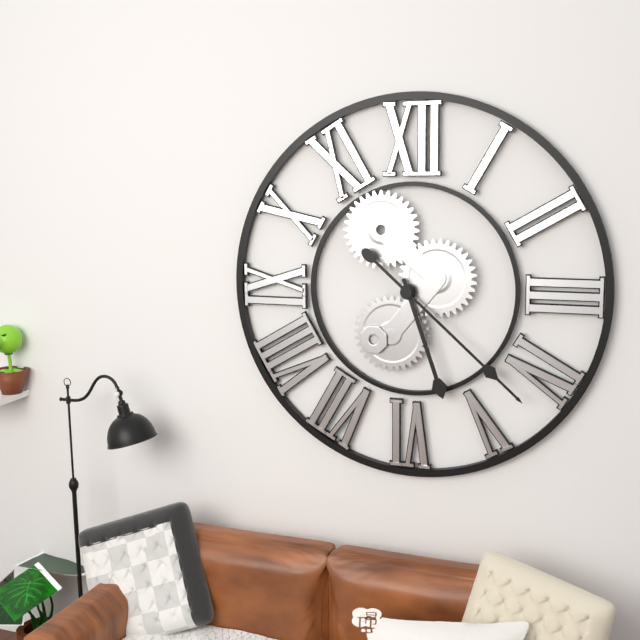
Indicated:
h=5 m=22
